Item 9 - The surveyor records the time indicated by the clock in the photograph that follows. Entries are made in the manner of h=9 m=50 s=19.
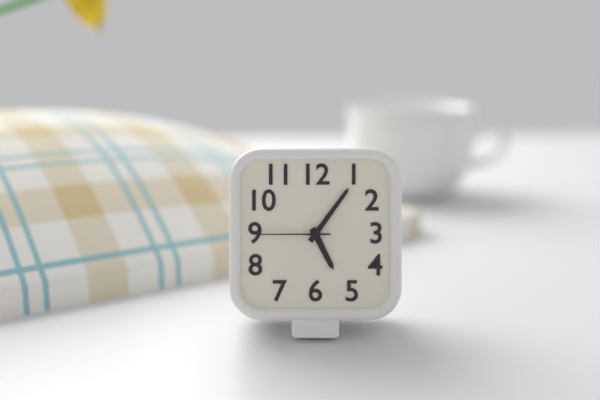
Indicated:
h=5 m=6 s=45
